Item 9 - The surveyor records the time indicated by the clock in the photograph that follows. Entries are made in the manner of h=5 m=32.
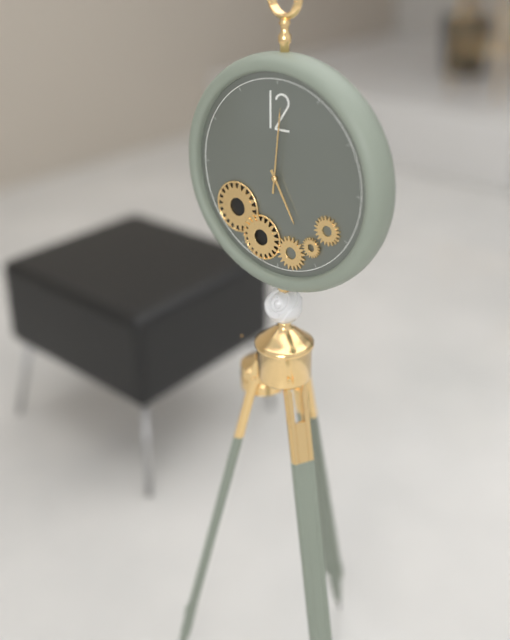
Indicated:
h=5 m=1
